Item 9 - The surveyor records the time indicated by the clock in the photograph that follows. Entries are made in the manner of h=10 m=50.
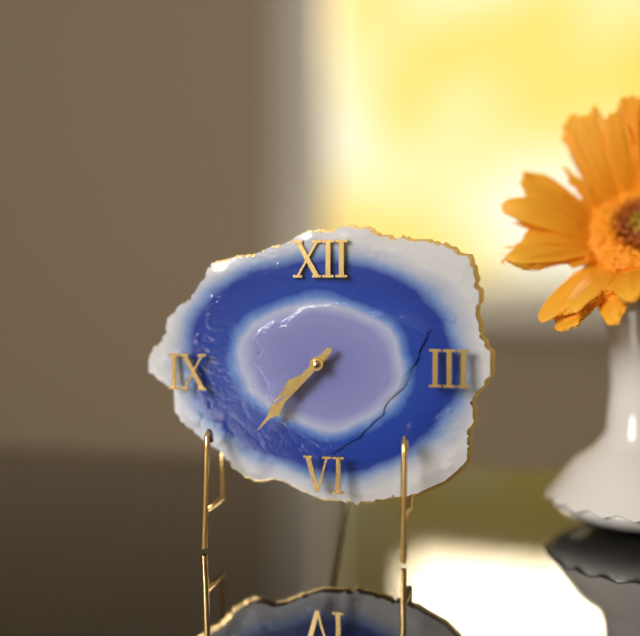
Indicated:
h=7 m=37
